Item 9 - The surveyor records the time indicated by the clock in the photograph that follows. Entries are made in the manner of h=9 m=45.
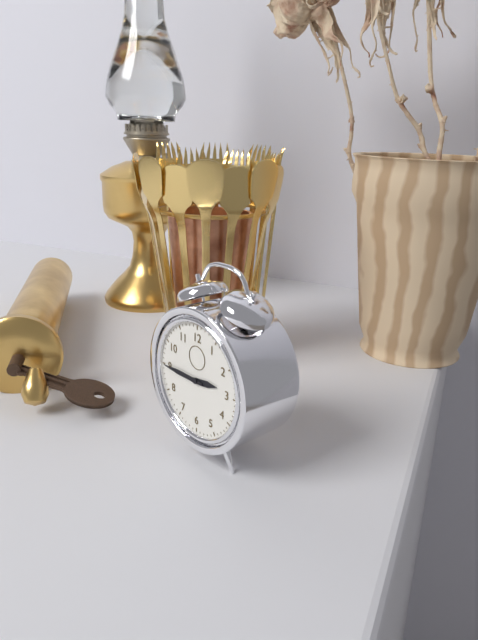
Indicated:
h=2 m=45
